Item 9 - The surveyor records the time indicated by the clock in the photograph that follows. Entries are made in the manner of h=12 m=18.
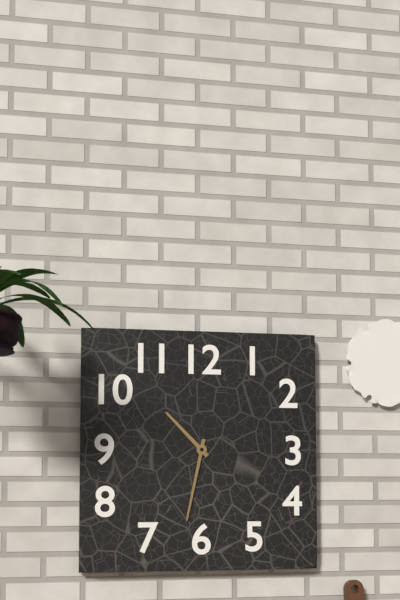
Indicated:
h=10 m=32
